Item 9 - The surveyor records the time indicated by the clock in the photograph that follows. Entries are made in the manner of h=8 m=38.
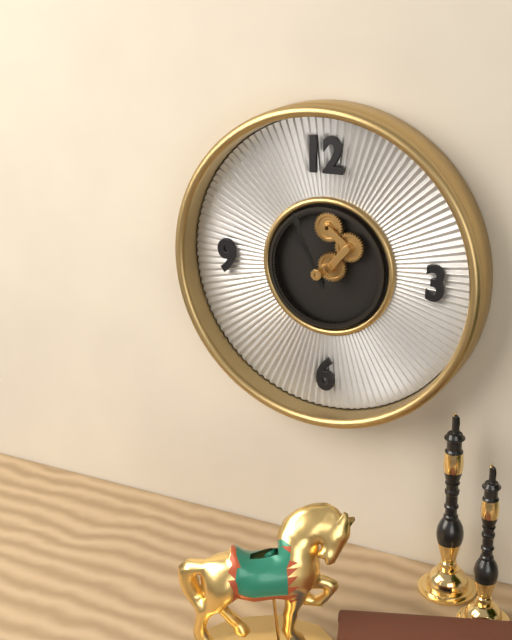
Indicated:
h=10 m=56
